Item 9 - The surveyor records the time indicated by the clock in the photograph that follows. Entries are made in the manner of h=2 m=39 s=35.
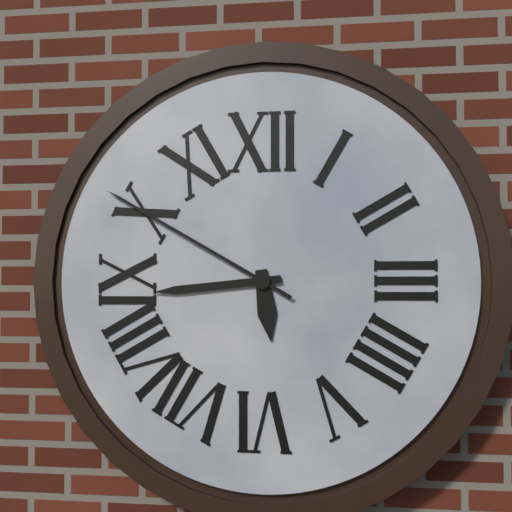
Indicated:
h=5 m=44 s=50
